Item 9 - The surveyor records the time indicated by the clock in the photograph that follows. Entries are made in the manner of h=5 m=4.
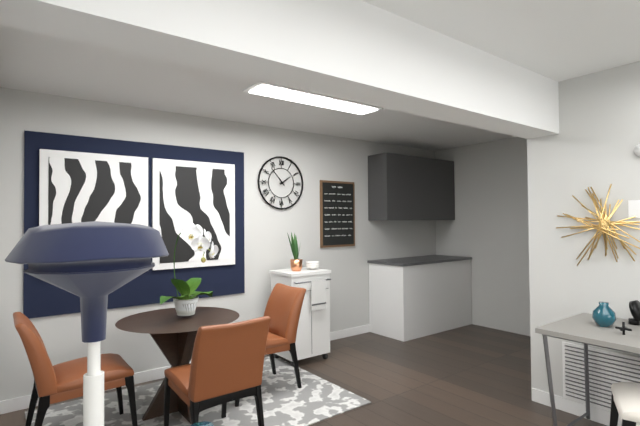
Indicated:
h=1 m=53
